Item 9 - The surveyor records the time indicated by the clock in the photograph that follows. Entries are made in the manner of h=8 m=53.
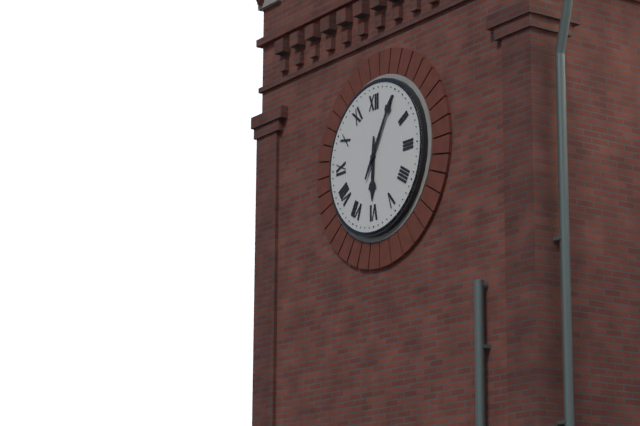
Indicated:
h=6 m=5
